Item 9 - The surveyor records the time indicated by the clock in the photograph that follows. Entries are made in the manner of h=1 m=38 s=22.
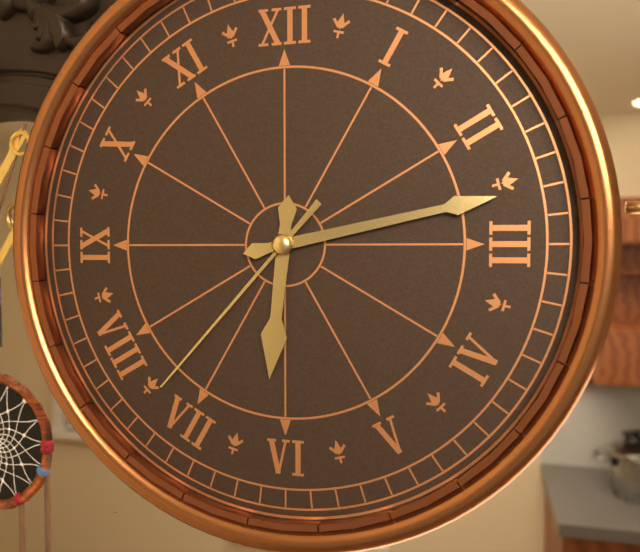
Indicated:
h=6 m=13 s=37
